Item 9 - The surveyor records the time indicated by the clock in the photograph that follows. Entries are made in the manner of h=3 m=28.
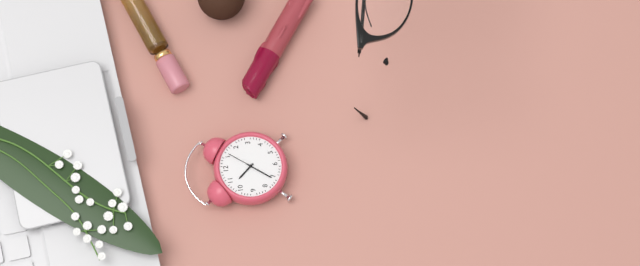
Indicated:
h=10 m=36
